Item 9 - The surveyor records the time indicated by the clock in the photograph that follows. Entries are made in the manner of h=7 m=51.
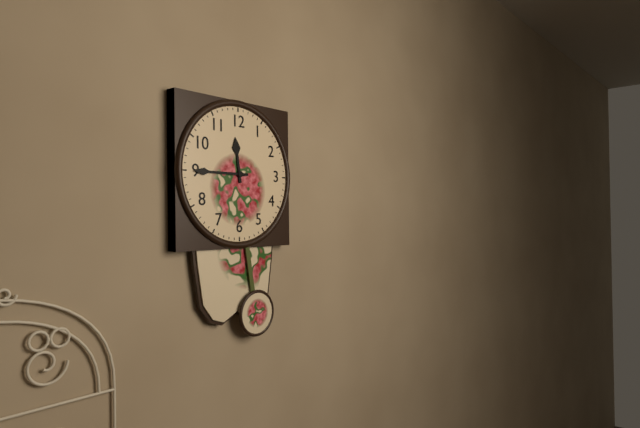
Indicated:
h=11 m=45
